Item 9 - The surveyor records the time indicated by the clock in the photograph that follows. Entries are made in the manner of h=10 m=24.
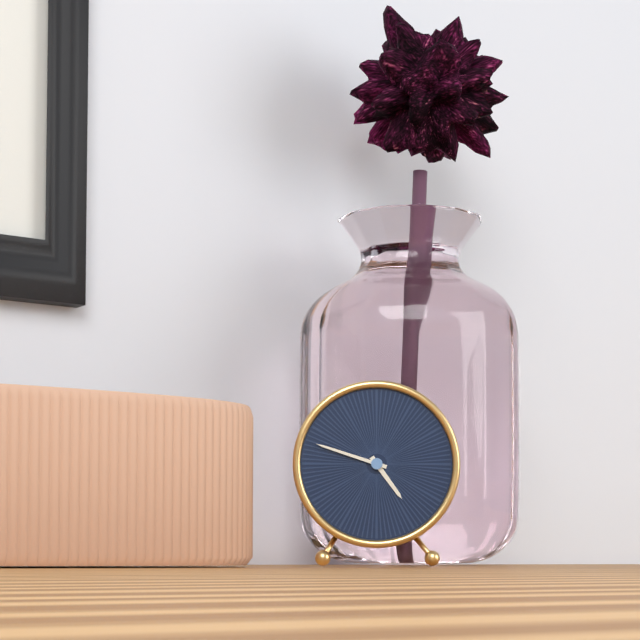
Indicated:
h=4 m=48
